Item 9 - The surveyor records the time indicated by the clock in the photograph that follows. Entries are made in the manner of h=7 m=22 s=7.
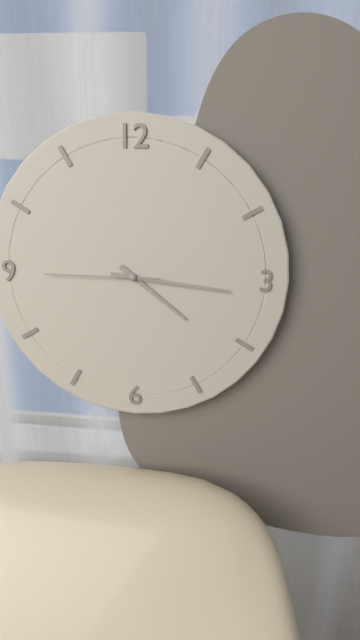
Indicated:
h=4 m=16 s=45
